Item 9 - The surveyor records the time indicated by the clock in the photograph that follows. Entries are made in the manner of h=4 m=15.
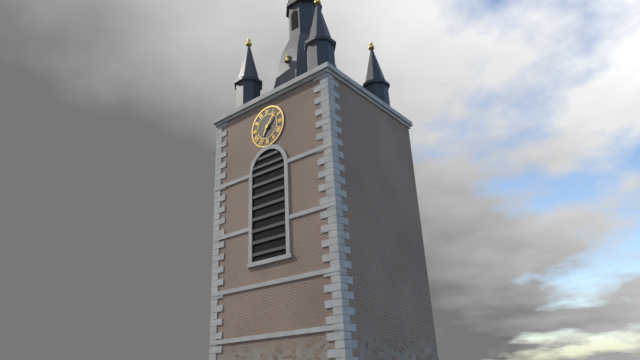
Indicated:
h=7 m=7
